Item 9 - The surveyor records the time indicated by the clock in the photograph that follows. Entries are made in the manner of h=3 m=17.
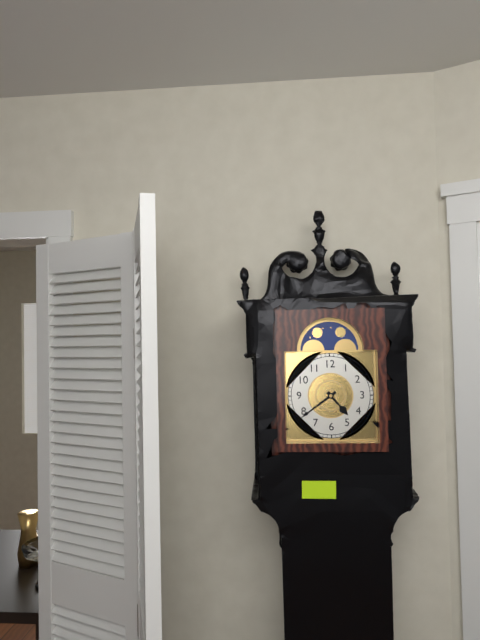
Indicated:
h=4 m=39
